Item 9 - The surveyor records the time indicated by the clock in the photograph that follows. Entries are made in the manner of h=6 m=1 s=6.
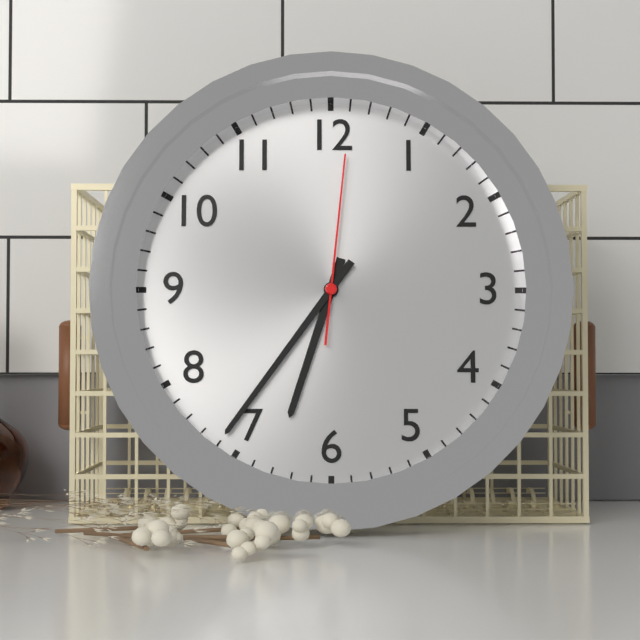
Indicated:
h=6 m=36 s=1
